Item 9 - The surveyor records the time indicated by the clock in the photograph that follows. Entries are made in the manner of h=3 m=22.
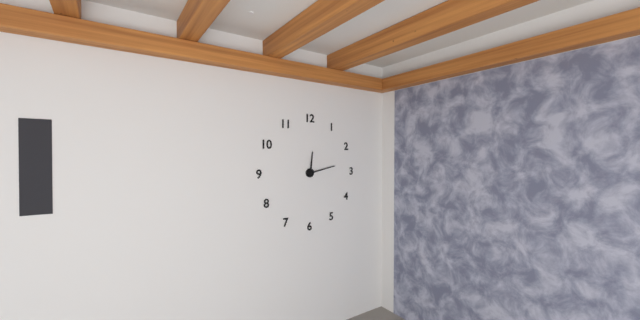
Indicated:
h=12 m=13
